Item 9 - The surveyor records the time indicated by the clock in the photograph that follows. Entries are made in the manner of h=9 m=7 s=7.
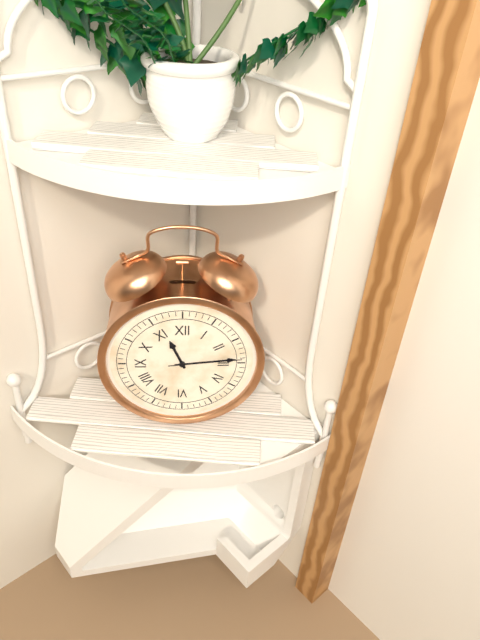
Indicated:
h=11 m=14 s=14
